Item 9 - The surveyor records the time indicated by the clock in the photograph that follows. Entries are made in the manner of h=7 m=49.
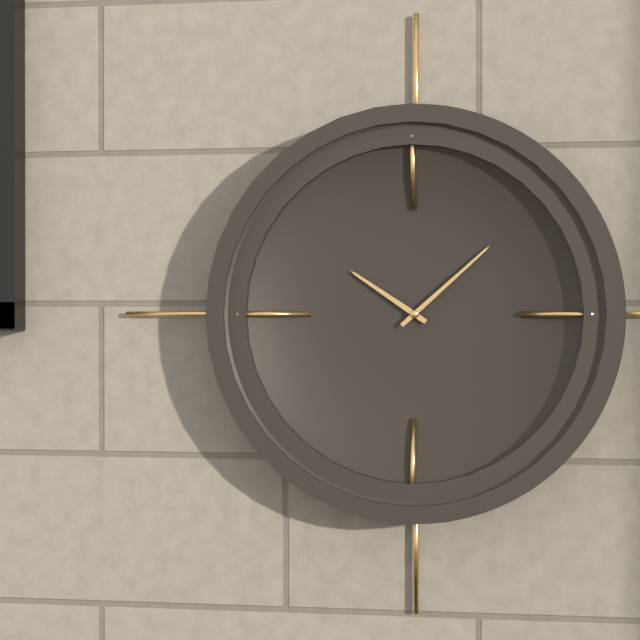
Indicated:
h=10 m=8
